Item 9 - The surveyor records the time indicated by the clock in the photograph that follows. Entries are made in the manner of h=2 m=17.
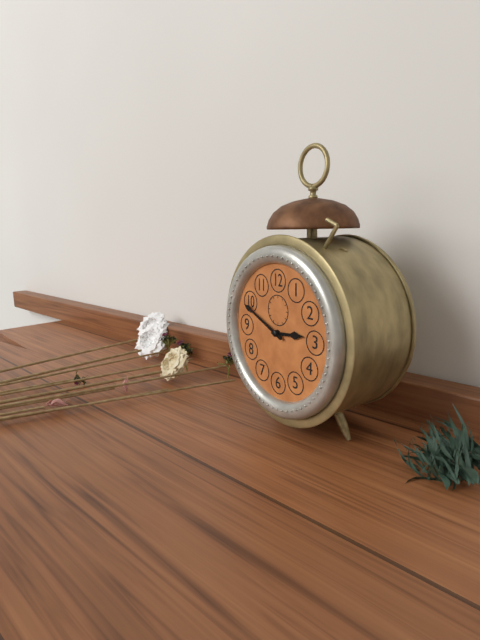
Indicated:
h=2 m=49
